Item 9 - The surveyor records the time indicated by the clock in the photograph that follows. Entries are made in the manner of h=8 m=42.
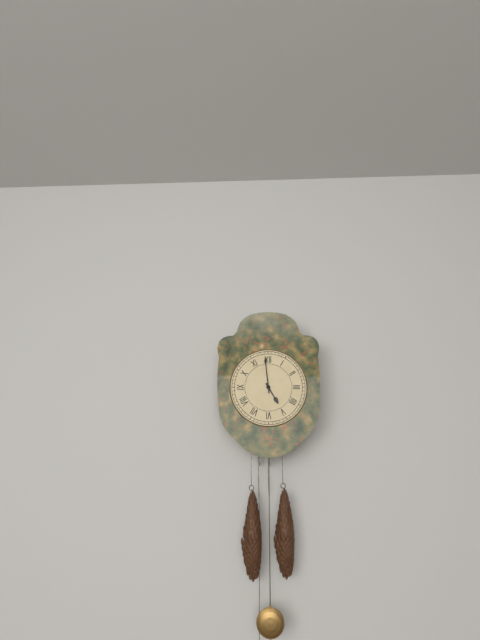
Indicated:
h=4 m=59
